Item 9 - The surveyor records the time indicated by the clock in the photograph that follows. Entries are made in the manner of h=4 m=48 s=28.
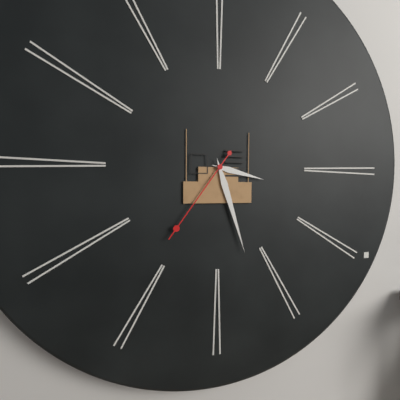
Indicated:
h=3 m=27 s=36
